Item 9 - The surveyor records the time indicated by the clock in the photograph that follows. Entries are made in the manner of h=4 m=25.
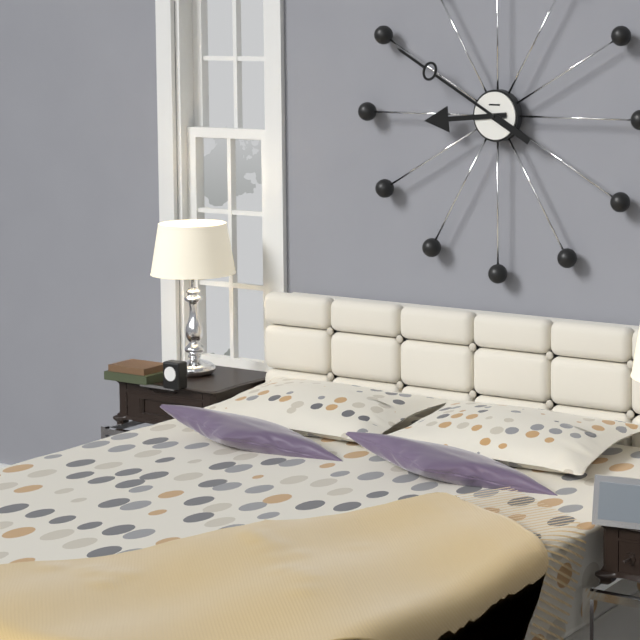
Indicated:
h=8 m=50
